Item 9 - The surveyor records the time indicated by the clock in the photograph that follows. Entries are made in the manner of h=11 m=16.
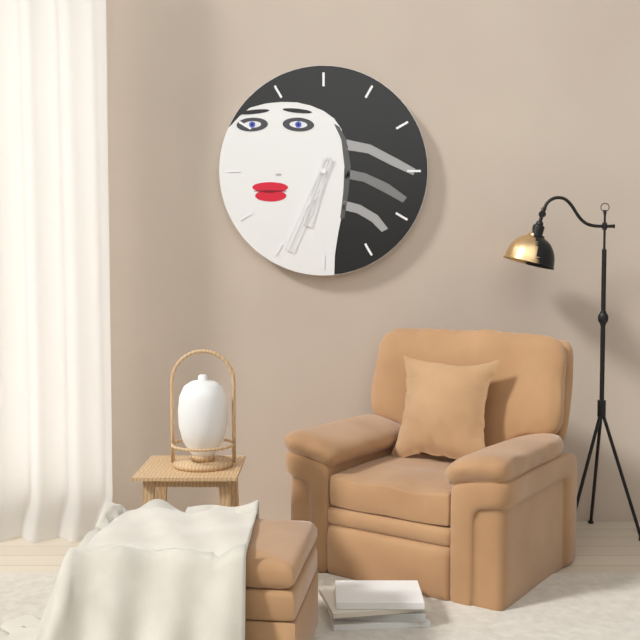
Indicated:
h=6 m=34
